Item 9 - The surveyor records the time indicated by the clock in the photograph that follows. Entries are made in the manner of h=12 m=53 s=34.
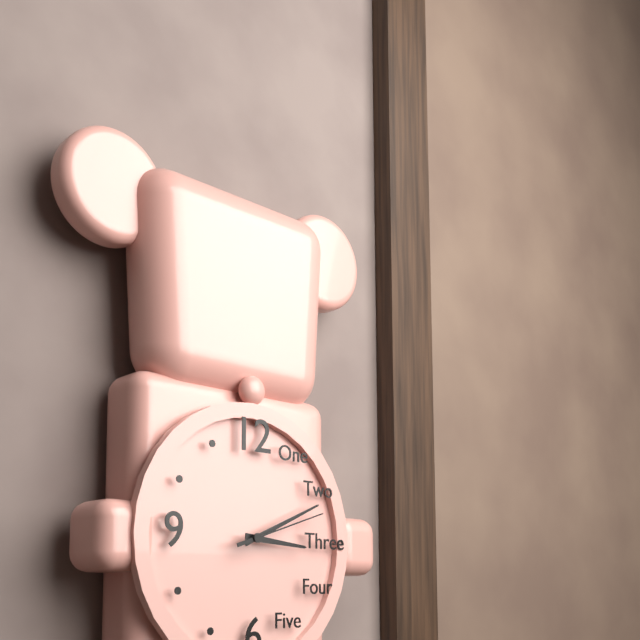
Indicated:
h=3 m=11 s=12
